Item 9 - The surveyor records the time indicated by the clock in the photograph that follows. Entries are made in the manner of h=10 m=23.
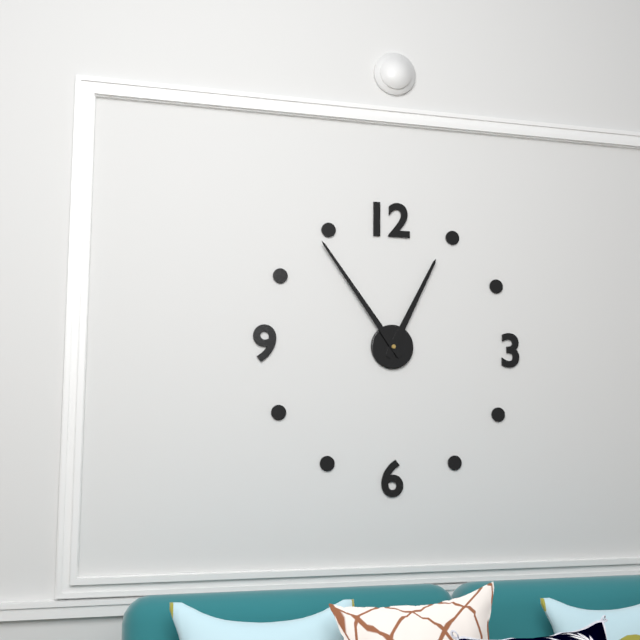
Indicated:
h=12 m=54
